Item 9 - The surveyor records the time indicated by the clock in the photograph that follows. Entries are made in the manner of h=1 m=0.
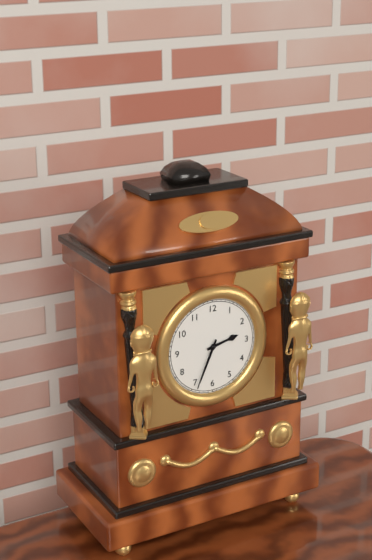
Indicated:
h=2 m=34
